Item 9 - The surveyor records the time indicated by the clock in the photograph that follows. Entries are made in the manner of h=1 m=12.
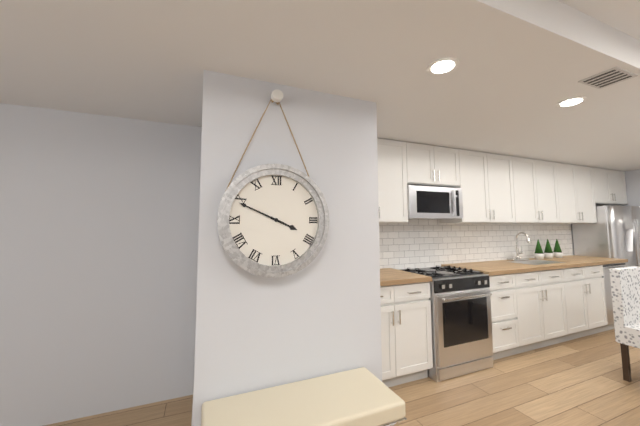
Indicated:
h=3 m=49
